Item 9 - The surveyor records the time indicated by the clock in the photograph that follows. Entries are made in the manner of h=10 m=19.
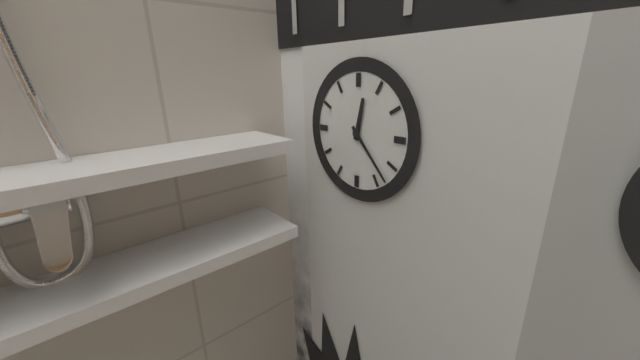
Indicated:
h=12 m=23
